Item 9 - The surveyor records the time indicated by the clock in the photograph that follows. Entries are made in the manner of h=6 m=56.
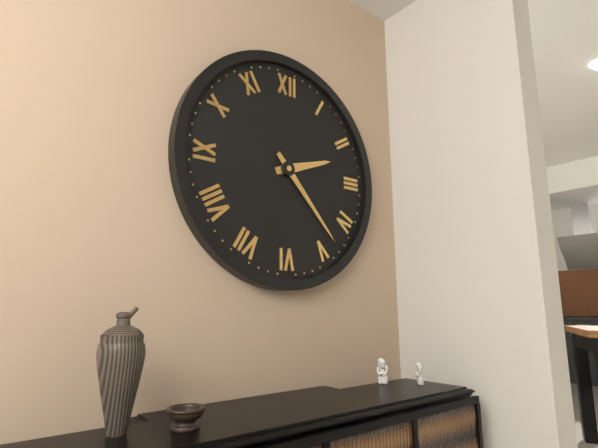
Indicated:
h=2 m=23
